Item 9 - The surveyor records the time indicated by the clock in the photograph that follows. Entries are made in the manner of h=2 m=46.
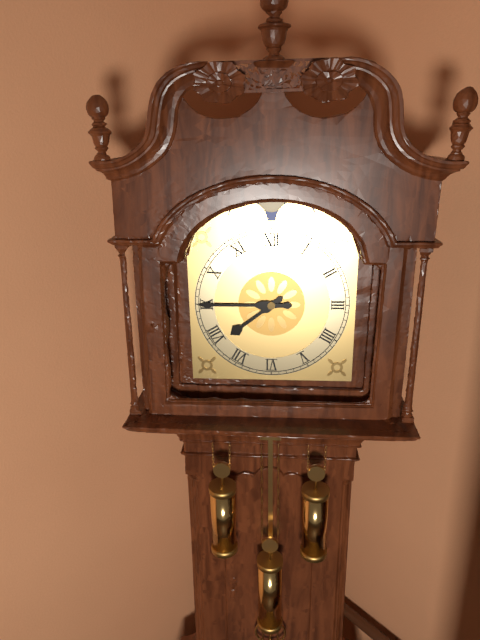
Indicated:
h=7 m=45
